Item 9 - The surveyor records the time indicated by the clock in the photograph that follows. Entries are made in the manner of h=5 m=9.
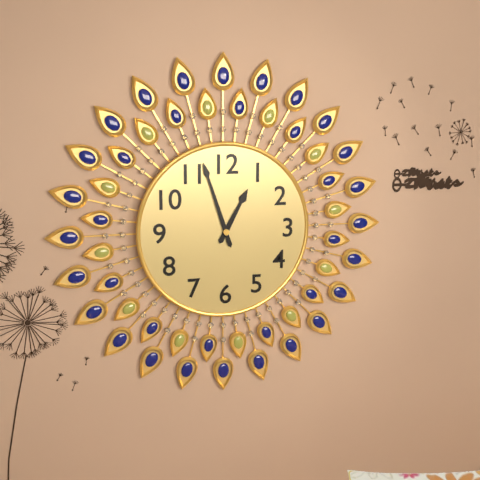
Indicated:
h=12 m=57
